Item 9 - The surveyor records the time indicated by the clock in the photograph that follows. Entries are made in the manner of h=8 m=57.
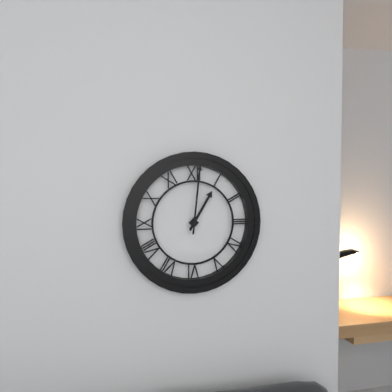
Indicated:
h=1 m=1
